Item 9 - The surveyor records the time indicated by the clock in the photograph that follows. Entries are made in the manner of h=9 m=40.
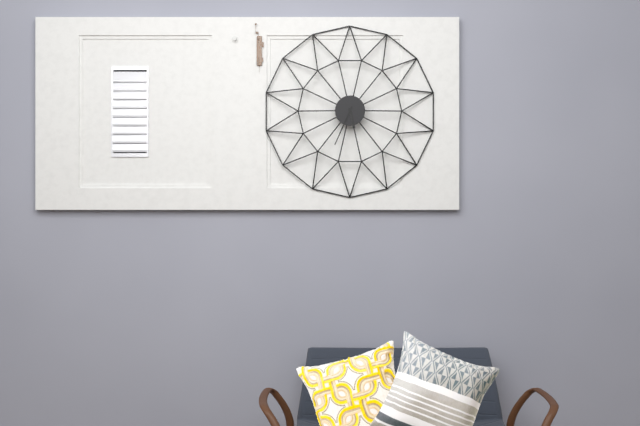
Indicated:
h=5 m=34
